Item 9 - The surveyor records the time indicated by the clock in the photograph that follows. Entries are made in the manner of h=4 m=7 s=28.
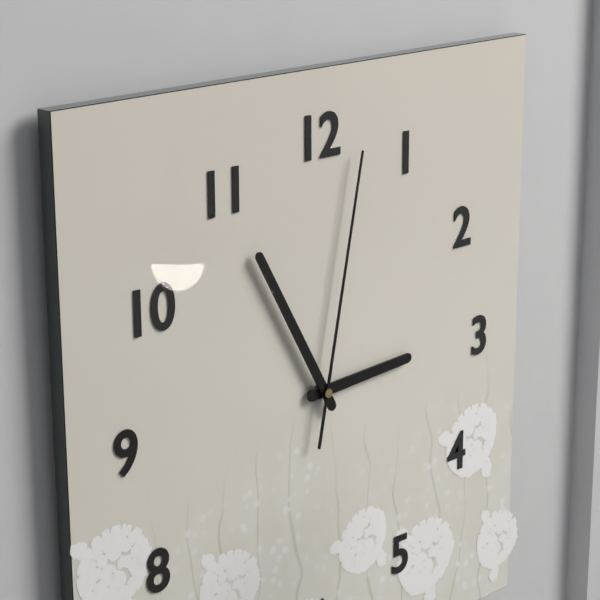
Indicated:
h=2 m=55 s=2
